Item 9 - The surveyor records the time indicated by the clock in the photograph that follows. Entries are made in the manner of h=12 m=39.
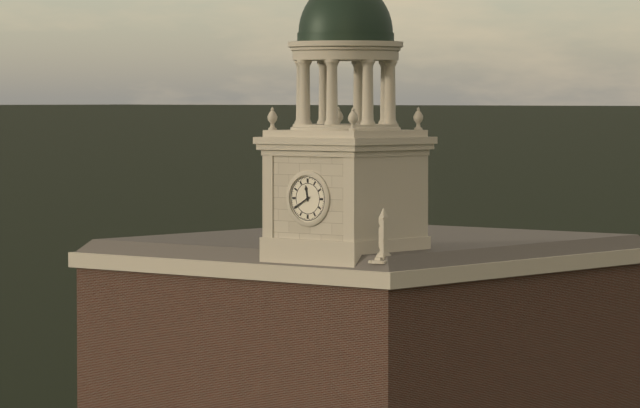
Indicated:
h=11 m=40
